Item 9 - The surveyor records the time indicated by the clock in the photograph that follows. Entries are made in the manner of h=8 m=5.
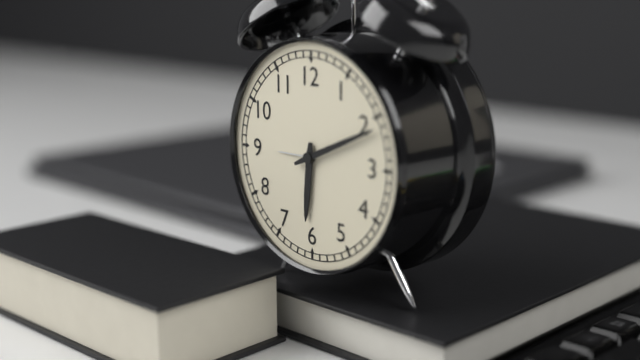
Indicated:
h=6 m=11
